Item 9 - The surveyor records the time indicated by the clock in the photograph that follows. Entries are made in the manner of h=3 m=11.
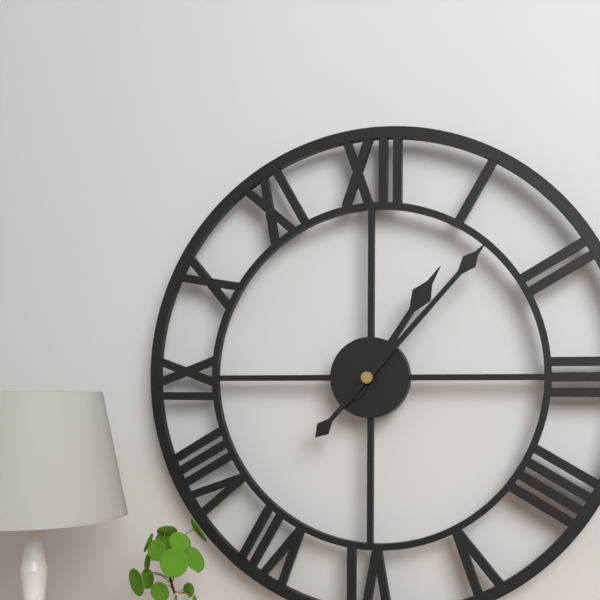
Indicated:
h=1 m=7
